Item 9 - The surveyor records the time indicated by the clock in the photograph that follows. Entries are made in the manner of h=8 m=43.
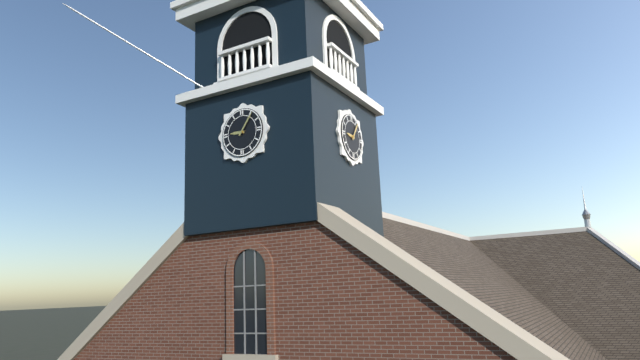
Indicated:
h=9 m=6
